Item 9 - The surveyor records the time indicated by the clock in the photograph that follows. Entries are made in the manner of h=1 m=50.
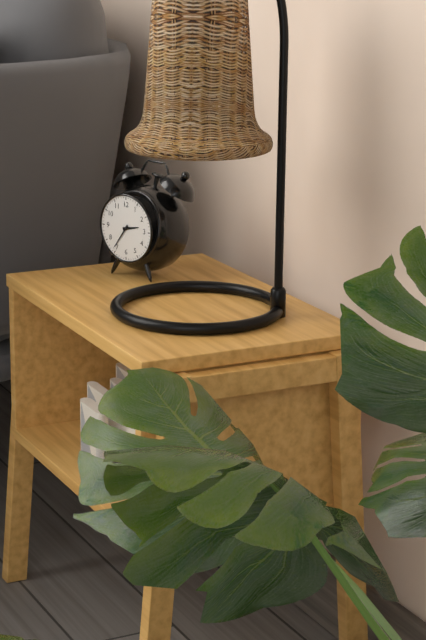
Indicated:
h=2 m=36
